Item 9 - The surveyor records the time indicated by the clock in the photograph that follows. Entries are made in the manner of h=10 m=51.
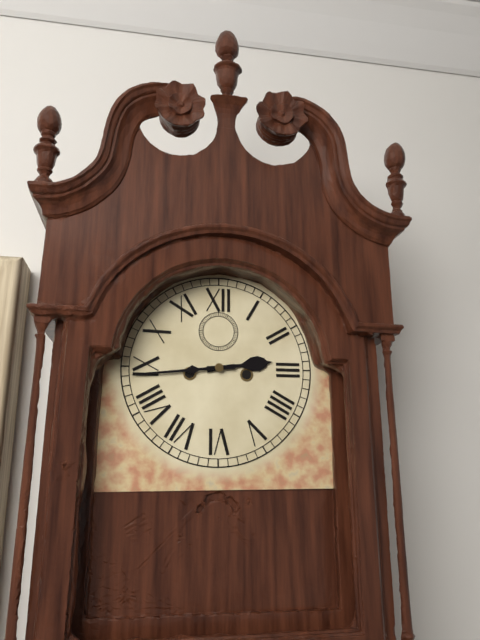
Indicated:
h=2 m=44
